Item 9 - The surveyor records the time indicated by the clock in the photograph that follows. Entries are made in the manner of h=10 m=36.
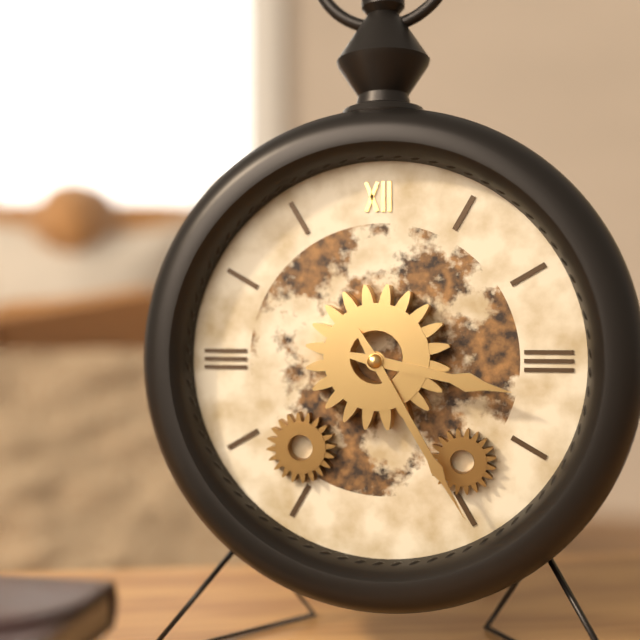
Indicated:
h=3 m=25
